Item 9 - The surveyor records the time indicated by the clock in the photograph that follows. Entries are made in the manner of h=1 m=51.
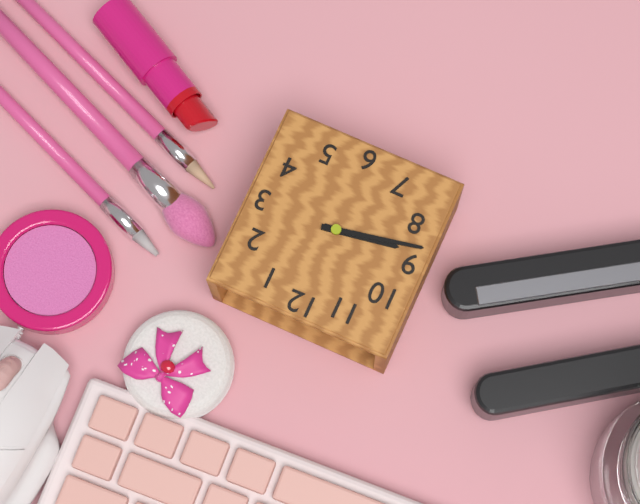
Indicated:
h=8 m=43
